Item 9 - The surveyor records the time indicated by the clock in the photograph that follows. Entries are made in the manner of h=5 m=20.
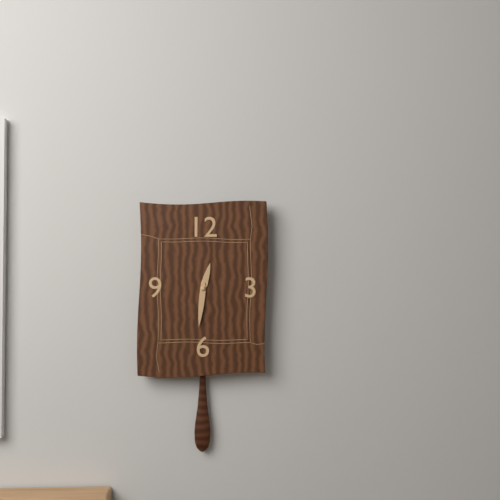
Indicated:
h=12 m=31
